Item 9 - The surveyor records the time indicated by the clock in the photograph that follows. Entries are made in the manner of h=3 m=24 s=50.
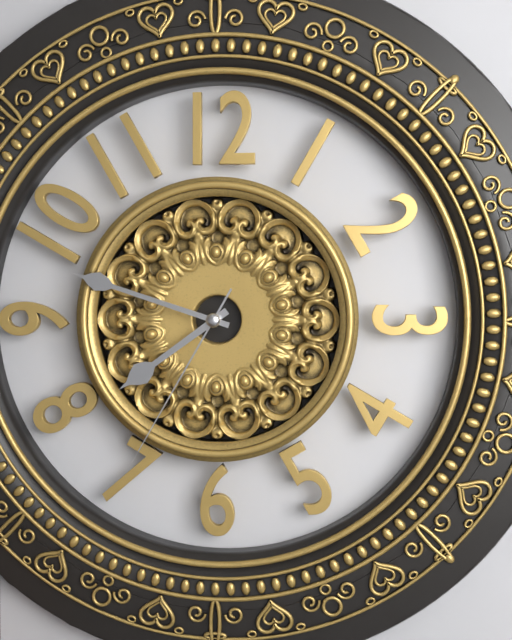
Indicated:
h=7 m=48 s=35
